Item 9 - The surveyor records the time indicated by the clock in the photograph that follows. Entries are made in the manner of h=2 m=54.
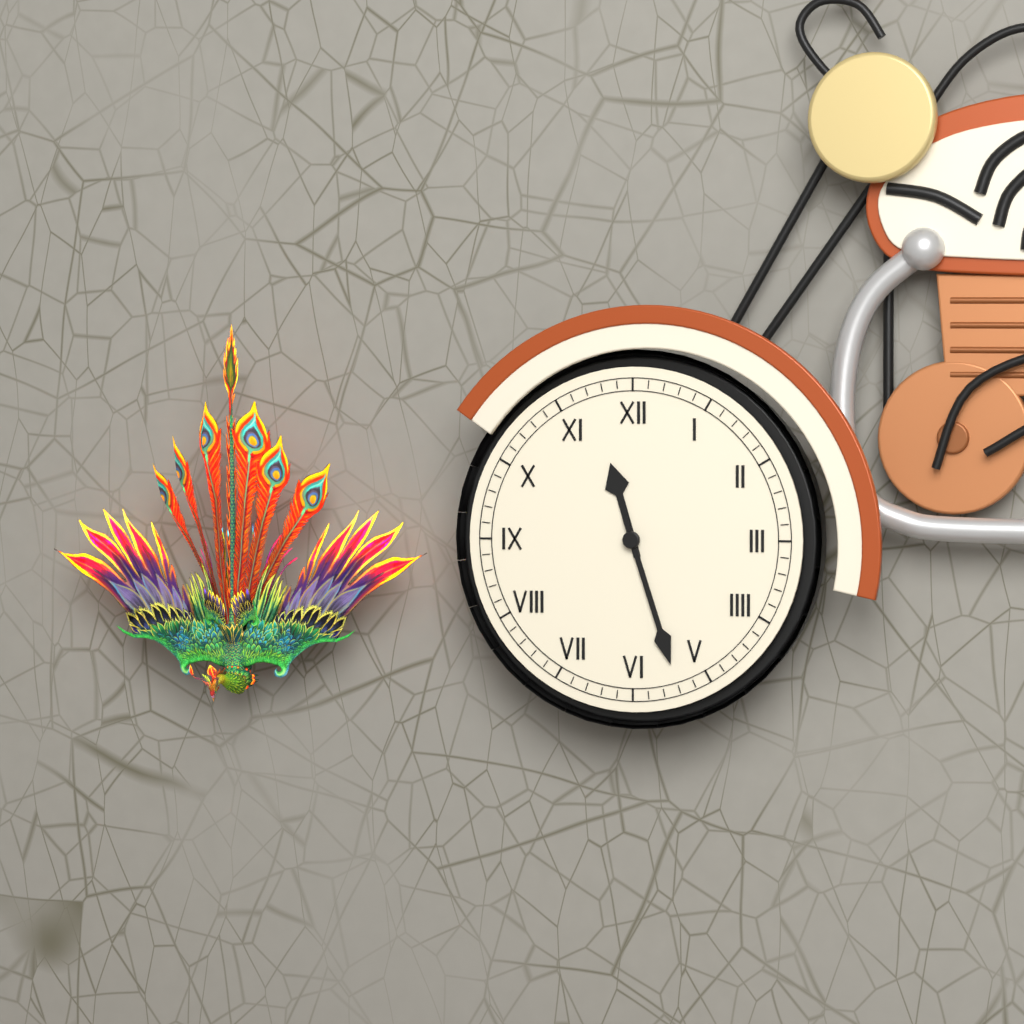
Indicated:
h=11 m=27
